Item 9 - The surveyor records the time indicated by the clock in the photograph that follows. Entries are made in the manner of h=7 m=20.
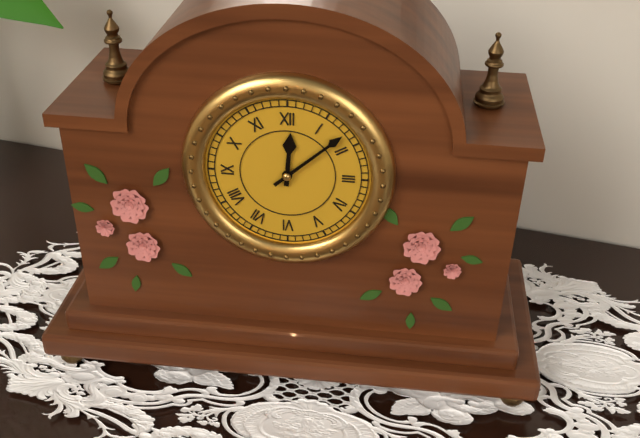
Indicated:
h=12 m=8
